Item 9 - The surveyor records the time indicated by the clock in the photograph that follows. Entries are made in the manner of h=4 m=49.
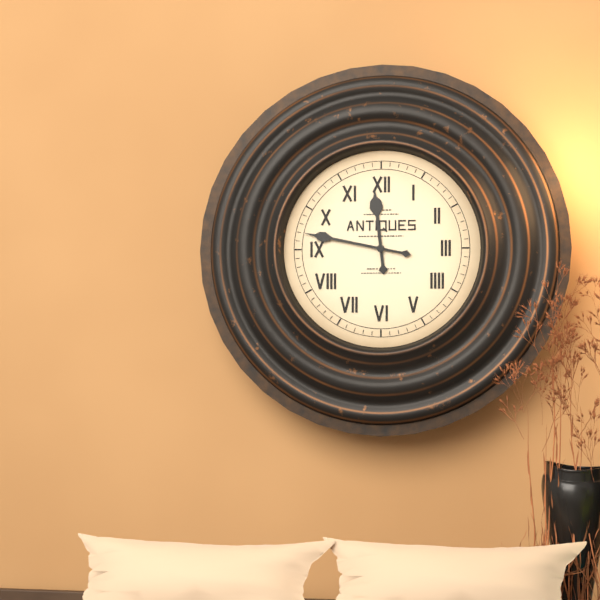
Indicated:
h=11 m=47
